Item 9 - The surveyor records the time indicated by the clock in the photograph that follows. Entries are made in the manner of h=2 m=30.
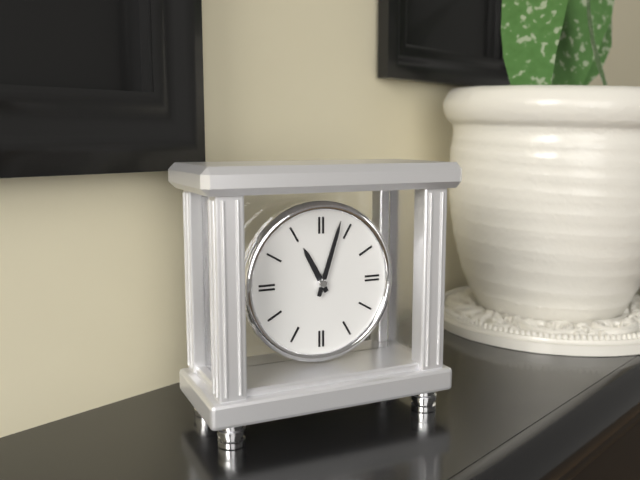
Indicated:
h=11 m=3
